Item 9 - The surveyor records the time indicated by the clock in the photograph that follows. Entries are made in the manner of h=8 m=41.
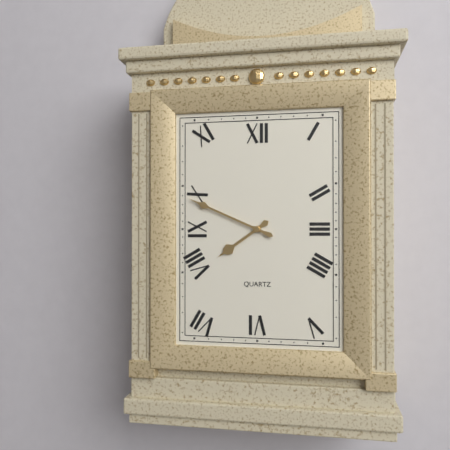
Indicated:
h=7 m=49
